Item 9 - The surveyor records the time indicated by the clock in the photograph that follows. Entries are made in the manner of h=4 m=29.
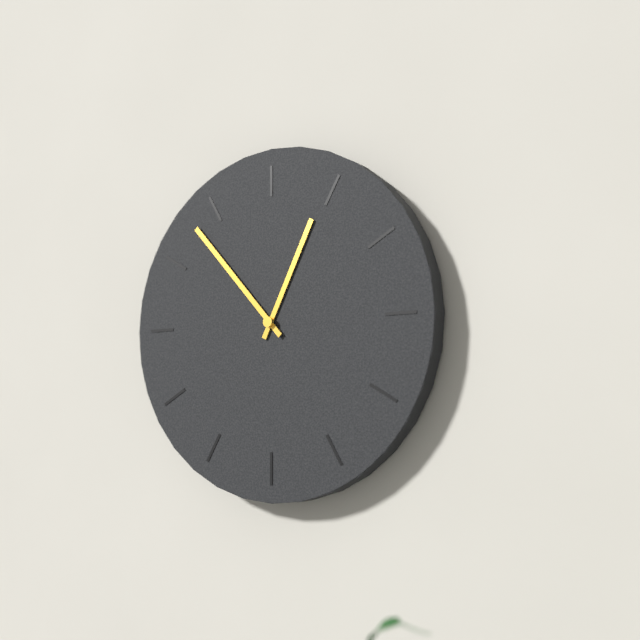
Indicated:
h=12 m=53
